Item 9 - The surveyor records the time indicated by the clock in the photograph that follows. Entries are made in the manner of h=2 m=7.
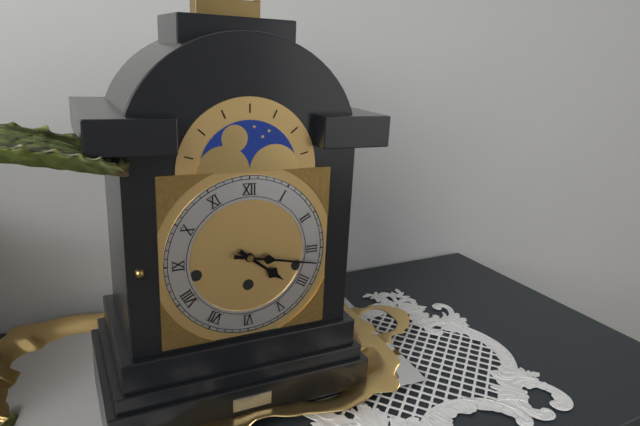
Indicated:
h=4 m=17
